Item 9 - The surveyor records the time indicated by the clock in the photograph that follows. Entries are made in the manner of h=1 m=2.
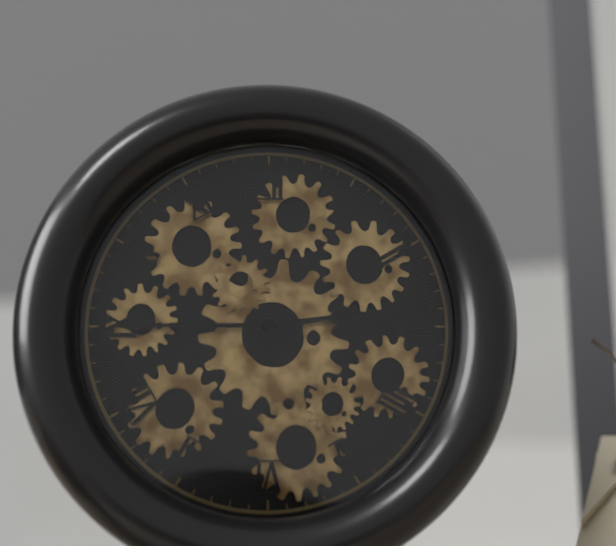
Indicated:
h=2 m=45
